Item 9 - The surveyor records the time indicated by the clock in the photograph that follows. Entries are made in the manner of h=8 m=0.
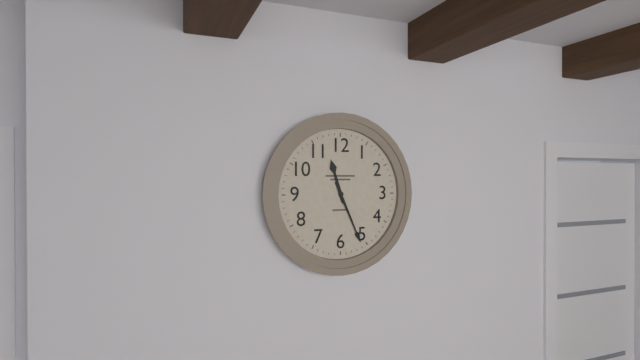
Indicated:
h=11 m=26
